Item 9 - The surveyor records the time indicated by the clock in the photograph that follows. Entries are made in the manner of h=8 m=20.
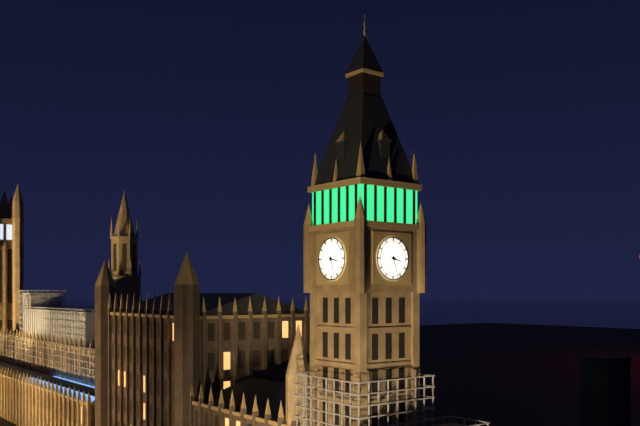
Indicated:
h=3 m=27
